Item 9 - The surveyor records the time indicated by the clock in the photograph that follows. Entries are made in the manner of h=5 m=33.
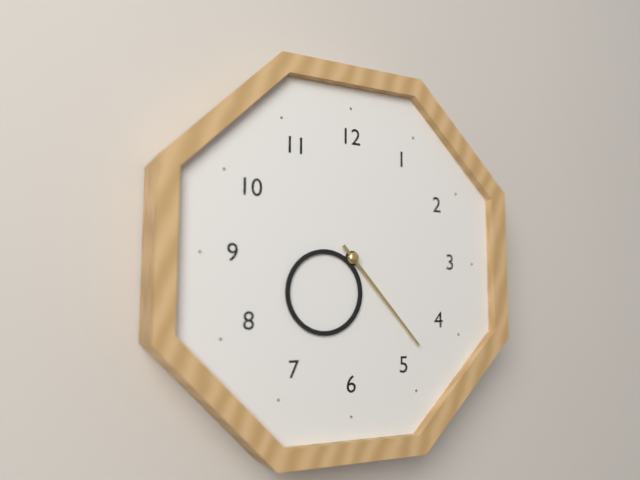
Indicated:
h=7 m=23
